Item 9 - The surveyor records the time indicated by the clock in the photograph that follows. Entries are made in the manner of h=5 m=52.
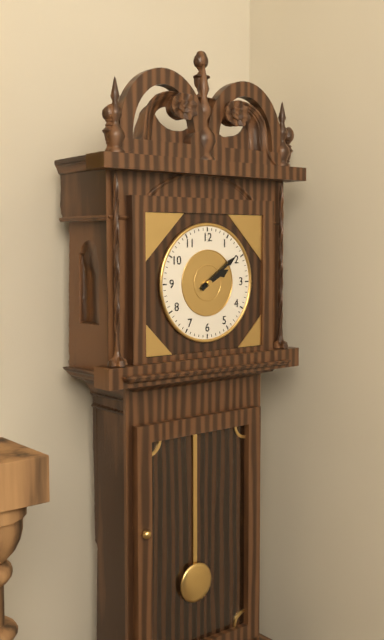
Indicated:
h=2 m=9
